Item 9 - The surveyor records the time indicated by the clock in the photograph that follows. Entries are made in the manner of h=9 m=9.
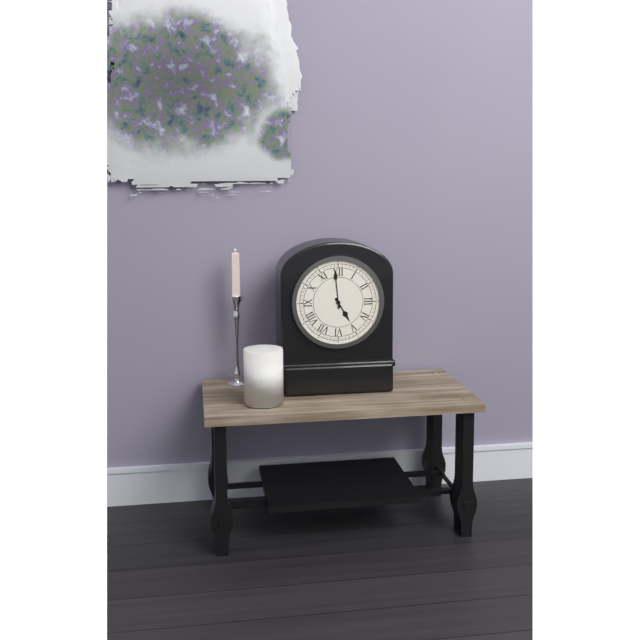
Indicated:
h=4 m=59
